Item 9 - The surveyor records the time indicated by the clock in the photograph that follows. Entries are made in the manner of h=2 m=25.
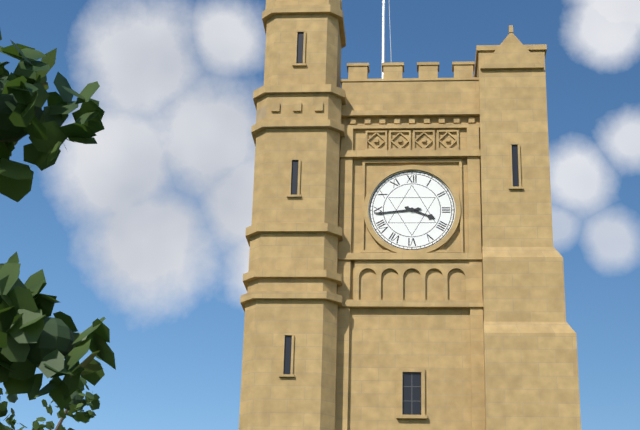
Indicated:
h=3 m=44
